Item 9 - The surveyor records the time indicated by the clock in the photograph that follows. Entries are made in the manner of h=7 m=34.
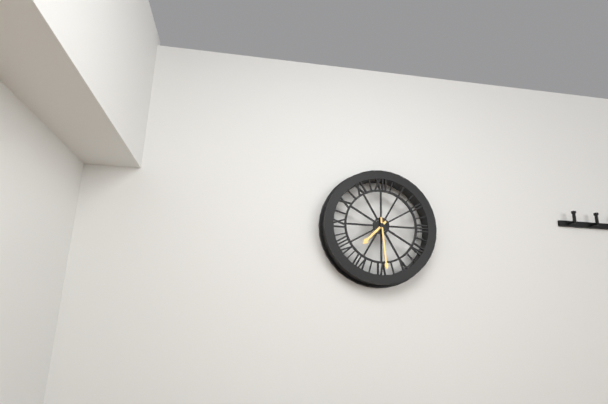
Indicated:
h=7 m=29
